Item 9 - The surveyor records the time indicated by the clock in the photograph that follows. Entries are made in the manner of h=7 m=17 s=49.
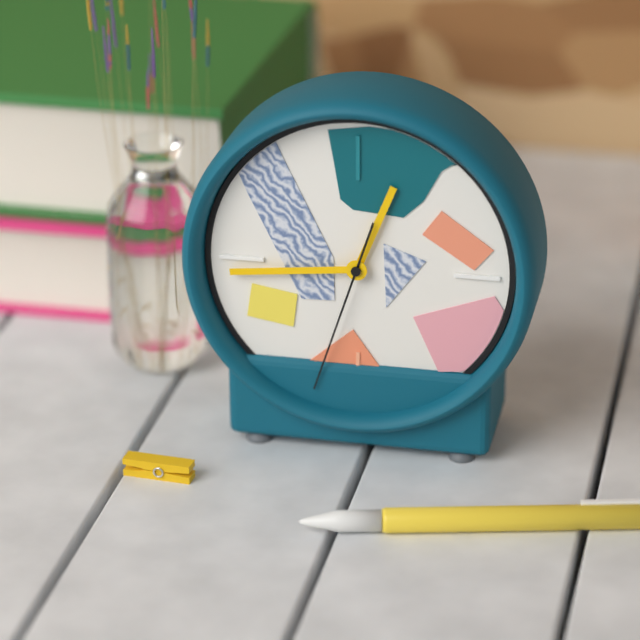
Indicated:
h=12 m=44 s=33
